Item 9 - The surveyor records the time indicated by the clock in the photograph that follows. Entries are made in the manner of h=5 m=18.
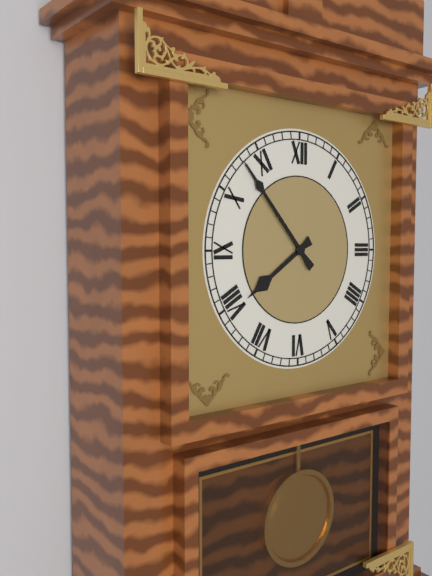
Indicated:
h=7 m=53
